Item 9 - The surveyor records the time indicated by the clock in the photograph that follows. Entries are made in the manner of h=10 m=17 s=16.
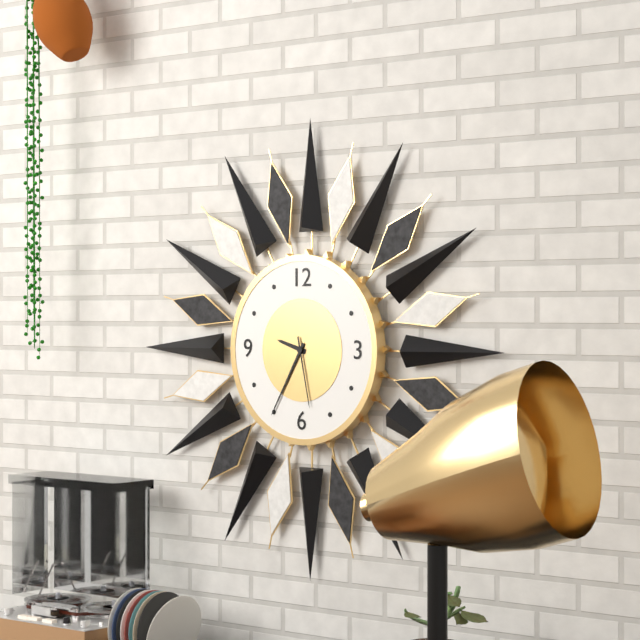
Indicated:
h=9 m=35 s=28
